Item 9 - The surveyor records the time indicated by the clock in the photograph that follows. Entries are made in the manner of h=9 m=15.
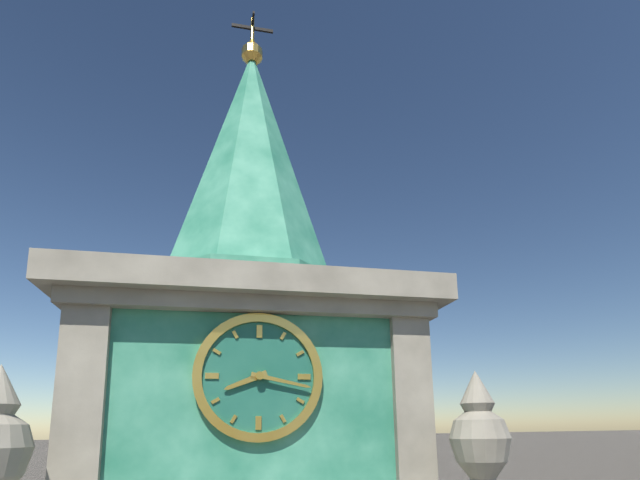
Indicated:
h=8 m=17
